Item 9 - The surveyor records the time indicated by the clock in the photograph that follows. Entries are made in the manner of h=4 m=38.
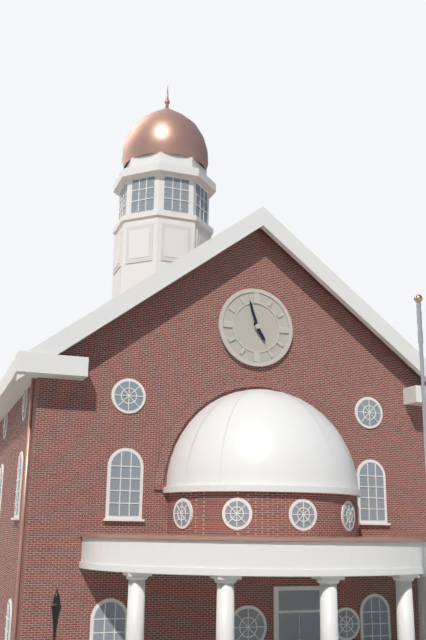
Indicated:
h=4 m=57
